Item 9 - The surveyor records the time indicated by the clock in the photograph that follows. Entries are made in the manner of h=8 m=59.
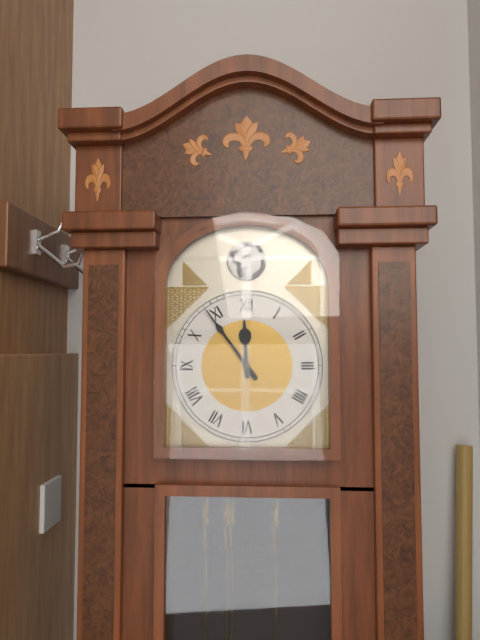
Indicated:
h=11 m=54
